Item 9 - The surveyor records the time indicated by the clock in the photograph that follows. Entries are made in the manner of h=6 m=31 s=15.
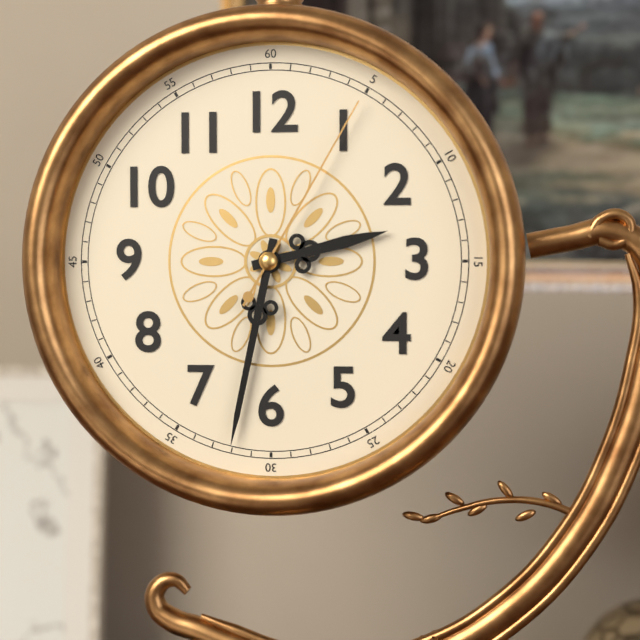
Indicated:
h=2 m=32 s=5
